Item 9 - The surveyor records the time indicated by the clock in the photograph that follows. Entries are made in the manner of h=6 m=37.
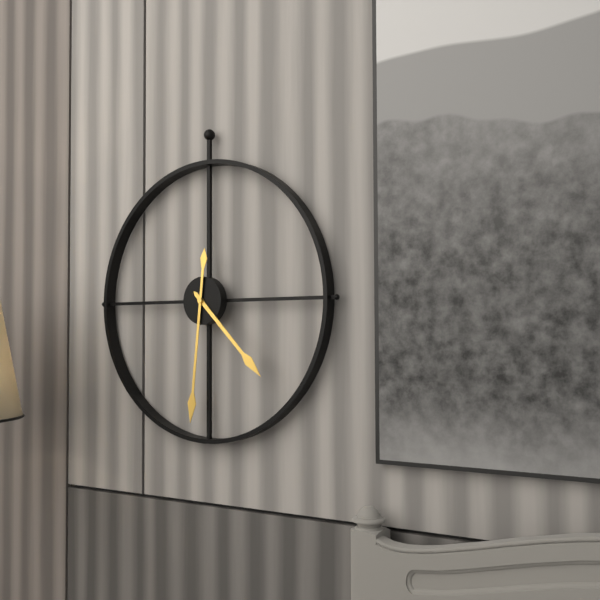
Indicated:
h=4 m=31
